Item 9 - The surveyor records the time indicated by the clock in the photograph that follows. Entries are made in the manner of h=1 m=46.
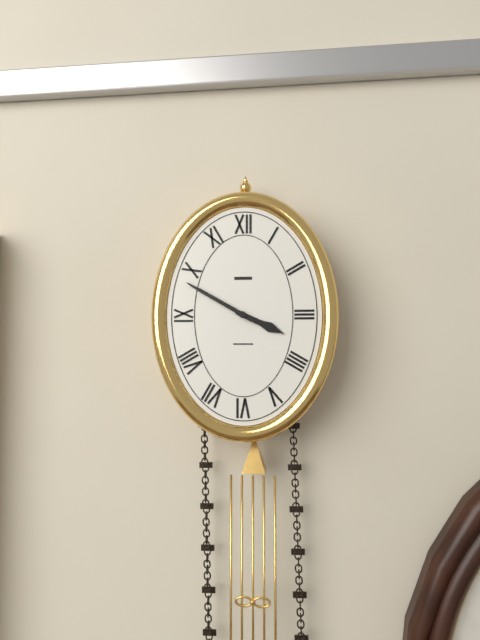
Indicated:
h=3 m=50
